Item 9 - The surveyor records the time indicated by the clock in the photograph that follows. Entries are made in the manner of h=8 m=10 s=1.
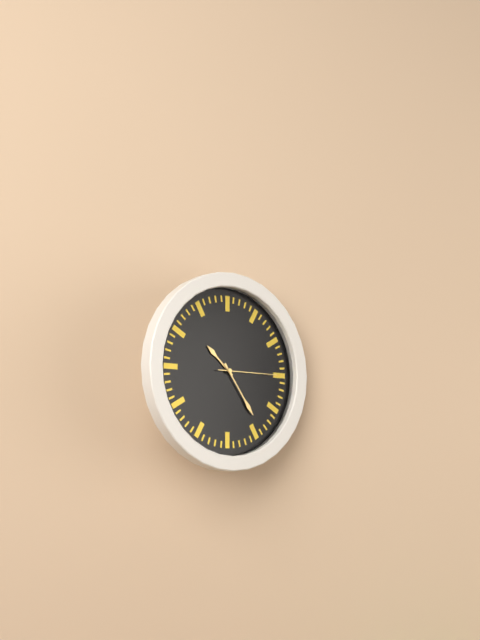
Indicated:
h=10 m=24 s=15
